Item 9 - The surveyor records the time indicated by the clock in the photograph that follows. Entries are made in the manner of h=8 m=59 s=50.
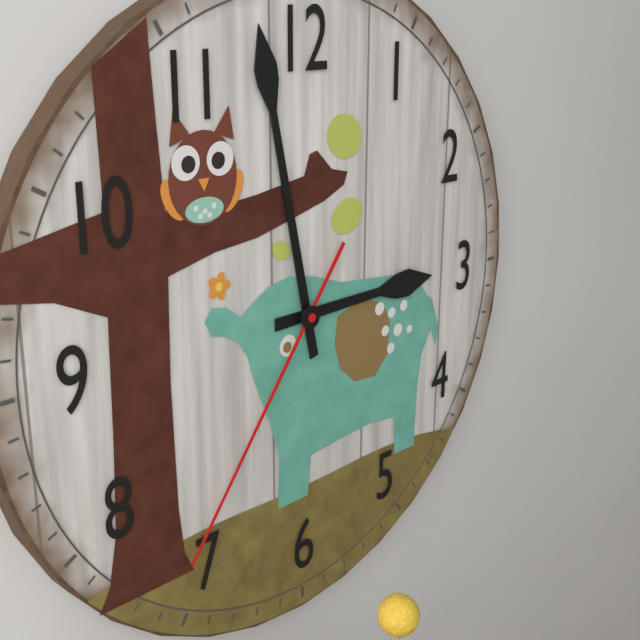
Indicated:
h=2 m=58 s=36
